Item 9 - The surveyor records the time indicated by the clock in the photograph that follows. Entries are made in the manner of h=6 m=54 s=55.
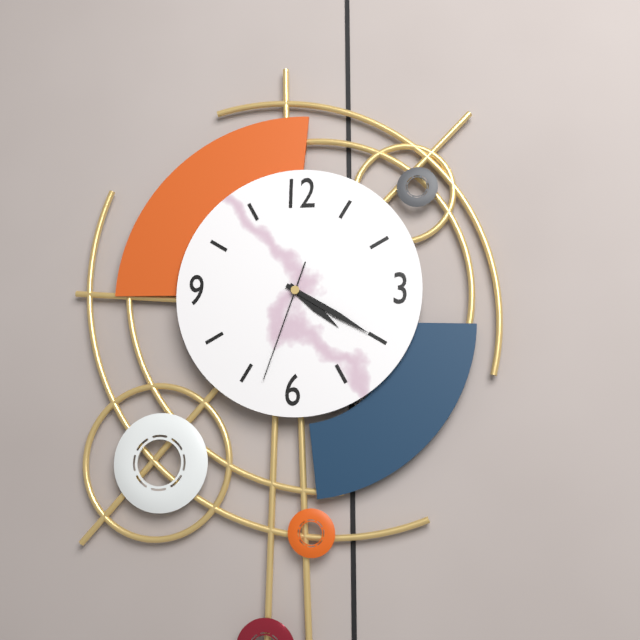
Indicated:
h=4 m=20 s=33
